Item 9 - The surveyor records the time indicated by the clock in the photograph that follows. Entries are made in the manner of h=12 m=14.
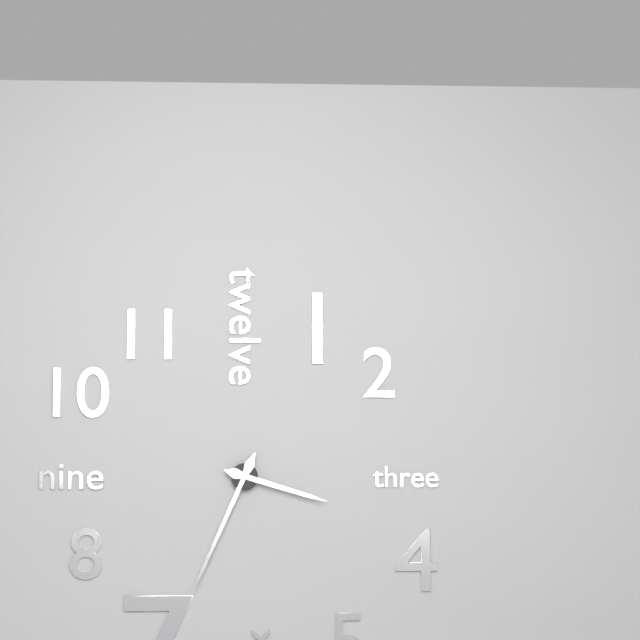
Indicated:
h=3 m=34
